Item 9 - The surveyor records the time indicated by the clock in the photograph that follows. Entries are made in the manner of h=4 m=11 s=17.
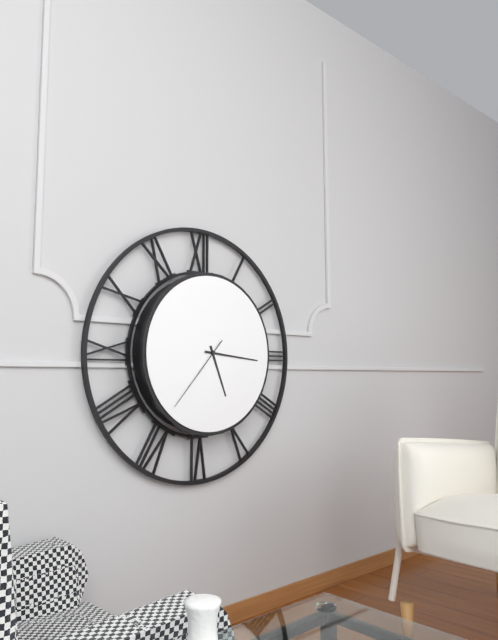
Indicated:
h=5 m=16 s=37
